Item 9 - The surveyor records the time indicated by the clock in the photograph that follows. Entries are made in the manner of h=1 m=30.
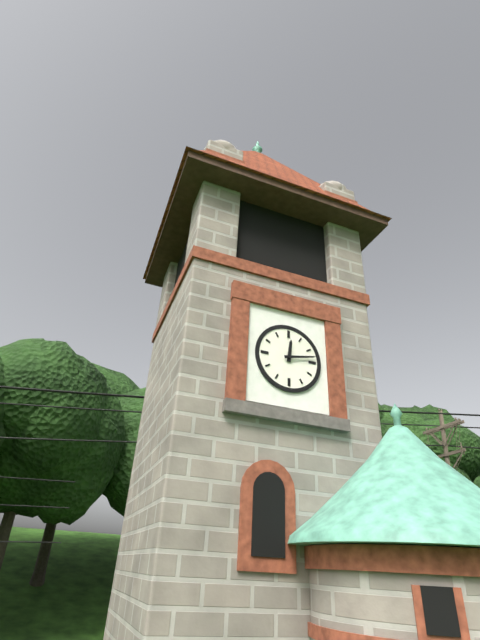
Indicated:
h=12 m=13
